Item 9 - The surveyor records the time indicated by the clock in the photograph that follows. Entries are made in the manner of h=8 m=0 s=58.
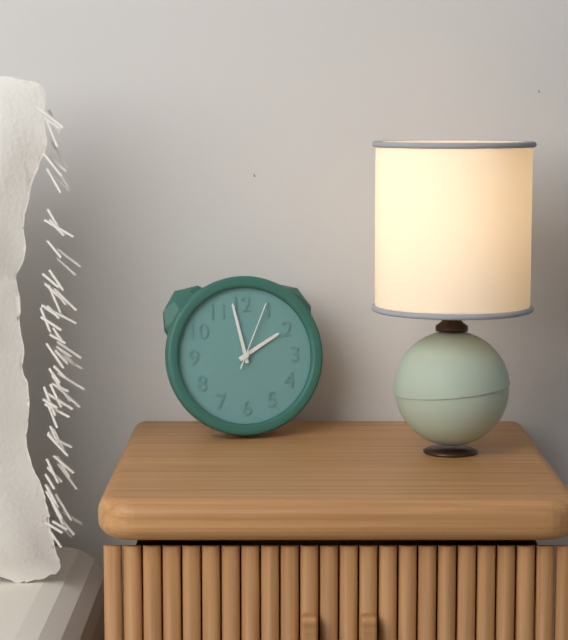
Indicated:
h=1 m=58 s=4
